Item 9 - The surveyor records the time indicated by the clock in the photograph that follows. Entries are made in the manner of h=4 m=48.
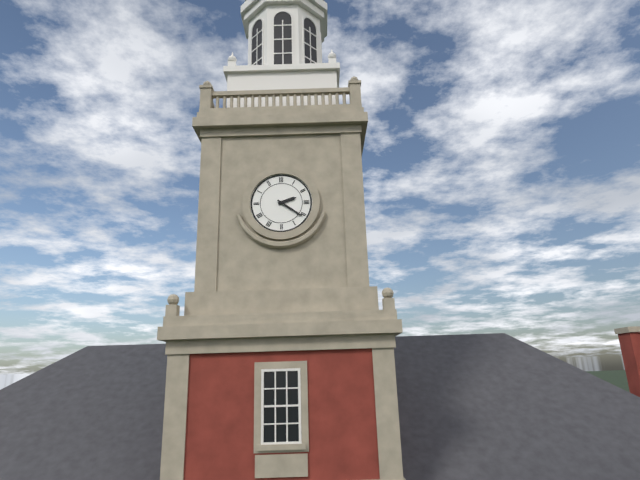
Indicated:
h=2 m=21
